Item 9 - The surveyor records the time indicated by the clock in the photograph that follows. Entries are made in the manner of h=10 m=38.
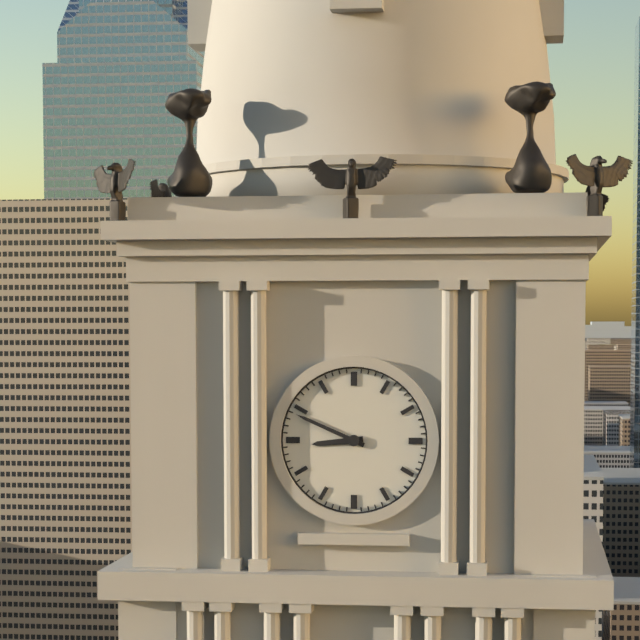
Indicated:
h=8 m=49
